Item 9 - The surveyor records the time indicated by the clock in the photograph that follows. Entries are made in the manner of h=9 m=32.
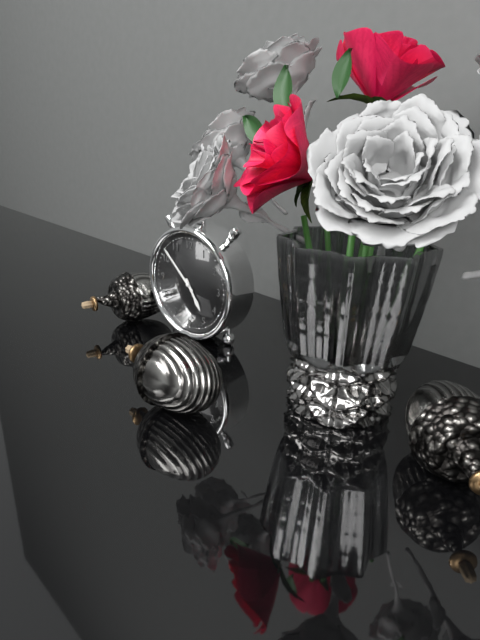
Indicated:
h=4 m=52
